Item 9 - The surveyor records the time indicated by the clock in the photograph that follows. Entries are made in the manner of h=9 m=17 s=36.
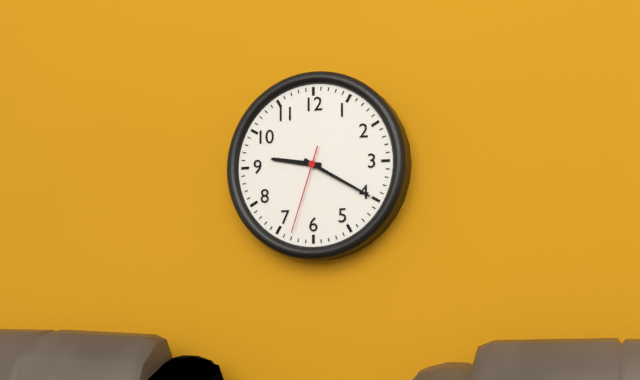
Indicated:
h=9 m=20 s=33
